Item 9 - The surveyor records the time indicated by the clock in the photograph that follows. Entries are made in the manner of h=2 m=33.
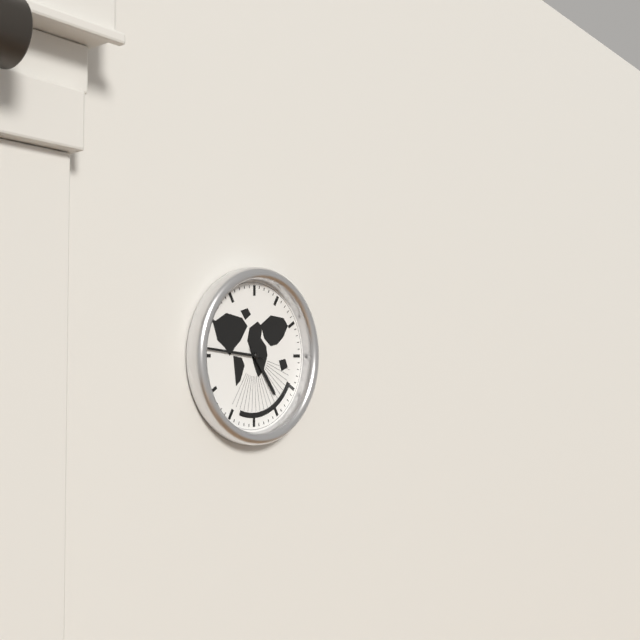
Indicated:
h=4 m=46
